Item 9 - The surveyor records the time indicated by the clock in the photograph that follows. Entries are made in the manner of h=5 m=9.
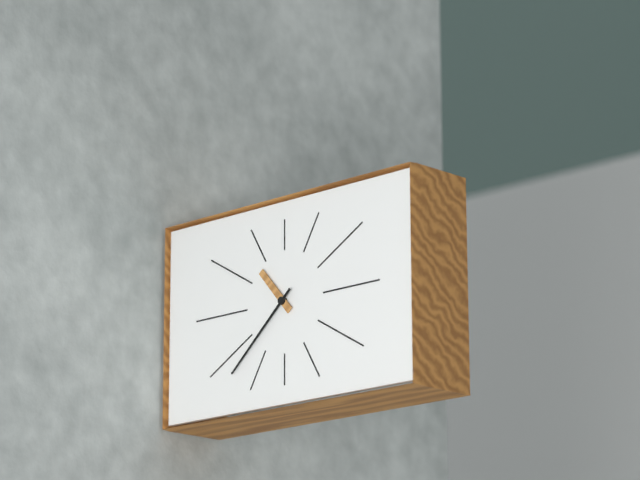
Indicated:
h=10 m=38
